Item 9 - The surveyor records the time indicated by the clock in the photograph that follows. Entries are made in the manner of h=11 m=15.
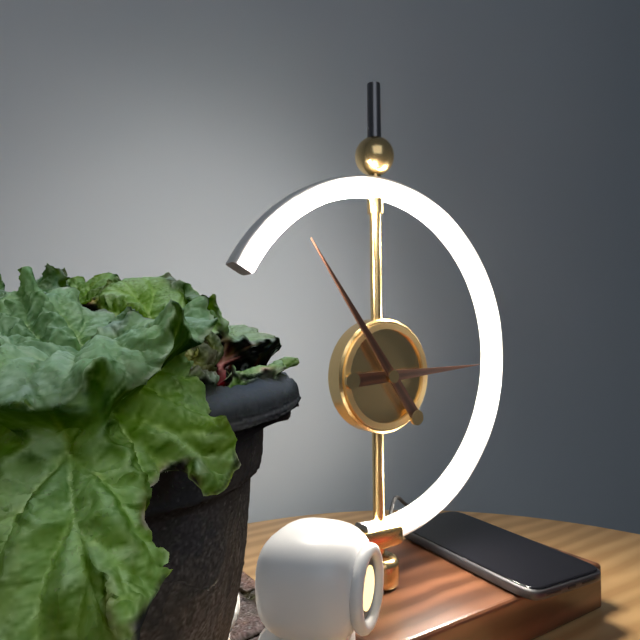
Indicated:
h=2 m=54
